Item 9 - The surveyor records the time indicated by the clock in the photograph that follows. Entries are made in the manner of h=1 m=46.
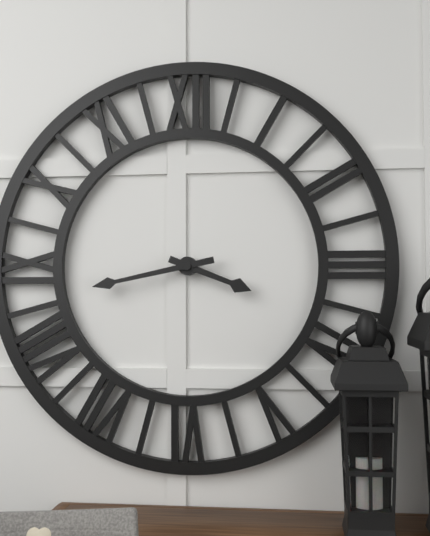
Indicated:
h=3 m=43
